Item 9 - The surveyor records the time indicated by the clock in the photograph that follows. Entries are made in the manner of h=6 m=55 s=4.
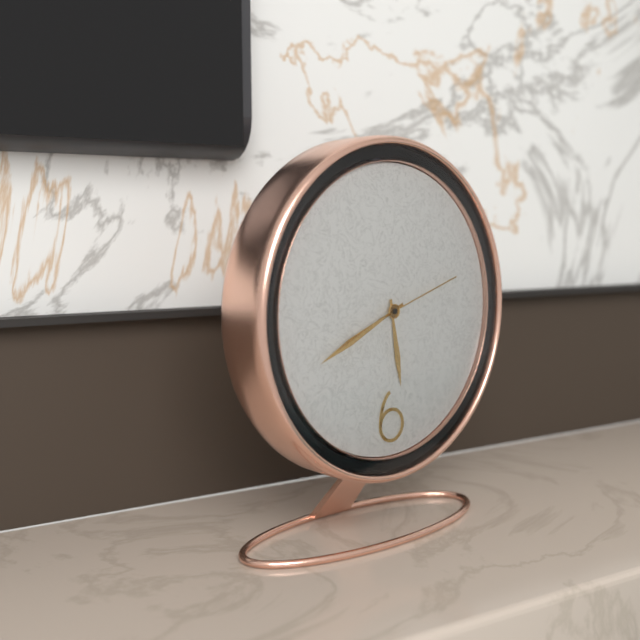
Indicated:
h=5 m=41 s=12
